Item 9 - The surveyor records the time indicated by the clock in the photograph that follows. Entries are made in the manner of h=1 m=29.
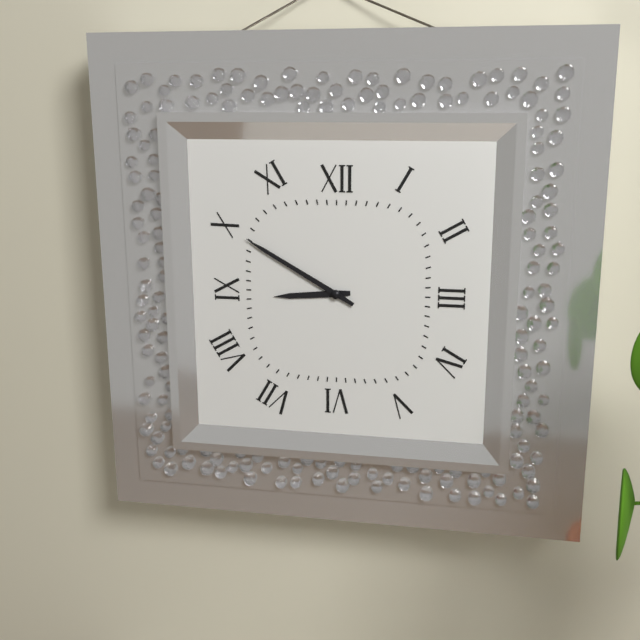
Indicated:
h=8 m=50
